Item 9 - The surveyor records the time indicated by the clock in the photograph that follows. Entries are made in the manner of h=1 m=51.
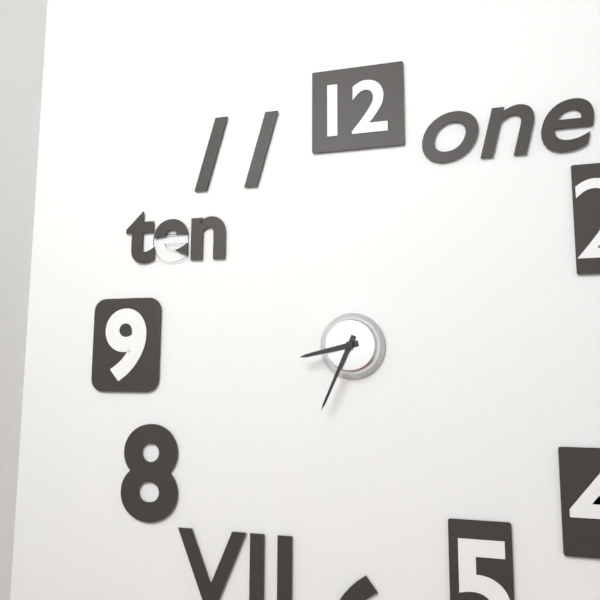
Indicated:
h=8 m=34
